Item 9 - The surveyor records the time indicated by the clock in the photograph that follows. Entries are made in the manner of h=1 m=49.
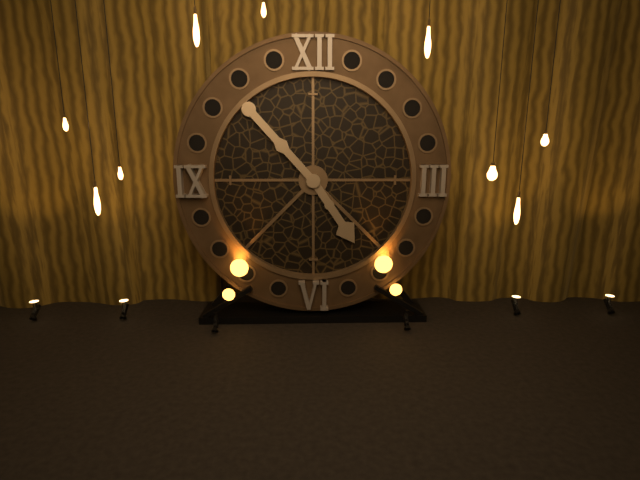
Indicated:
h=4 m=53
